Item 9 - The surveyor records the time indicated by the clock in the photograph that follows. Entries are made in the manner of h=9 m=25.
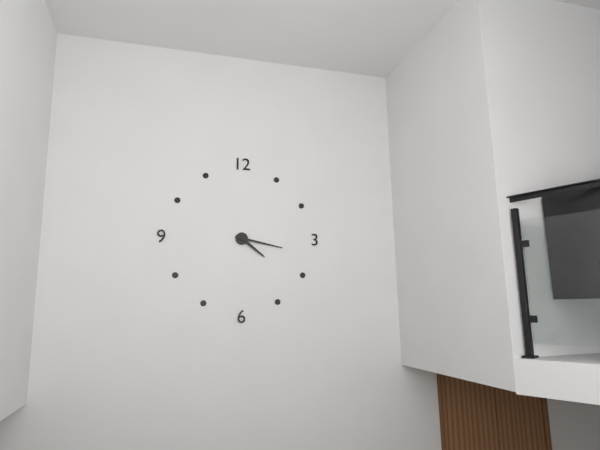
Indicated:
h=4 m=17
